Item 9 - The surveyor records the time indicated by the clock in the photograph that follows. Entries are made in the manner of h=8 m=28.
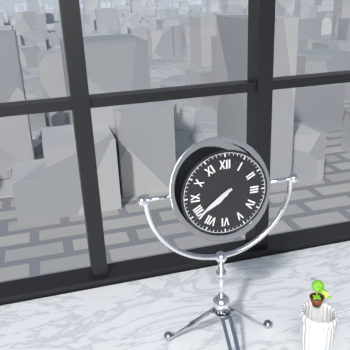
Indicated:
h=7 m=39
